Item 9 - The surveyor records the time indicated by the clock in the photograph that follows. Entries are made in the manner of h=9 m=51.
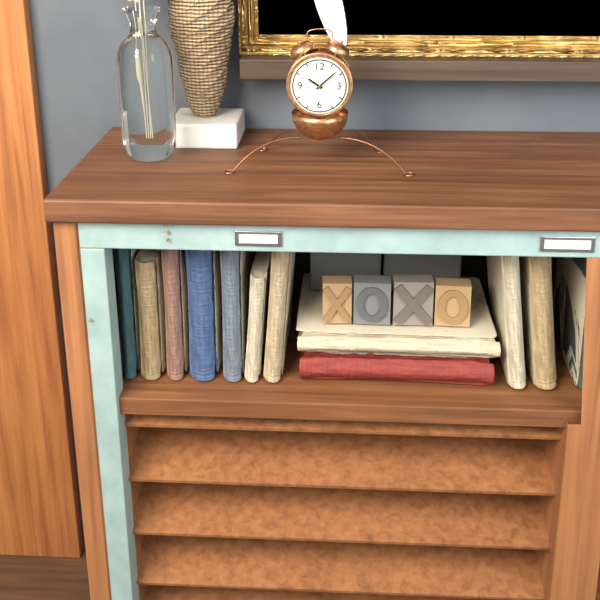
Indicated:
h=10 m=8
